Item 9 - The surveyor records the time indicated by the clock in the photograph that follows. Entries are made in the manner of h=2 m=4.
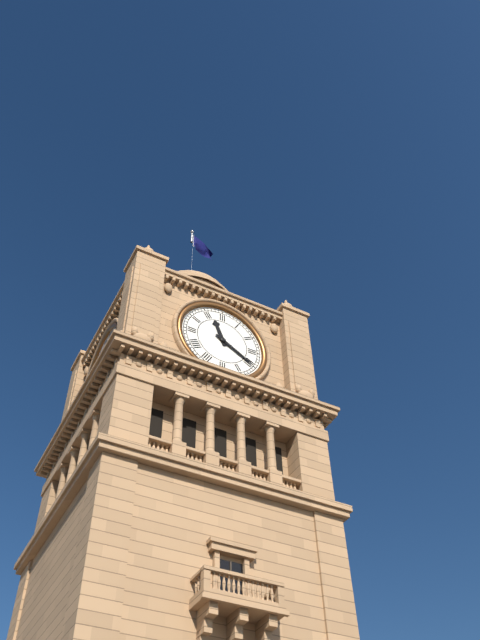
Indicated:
h=11 m=20
